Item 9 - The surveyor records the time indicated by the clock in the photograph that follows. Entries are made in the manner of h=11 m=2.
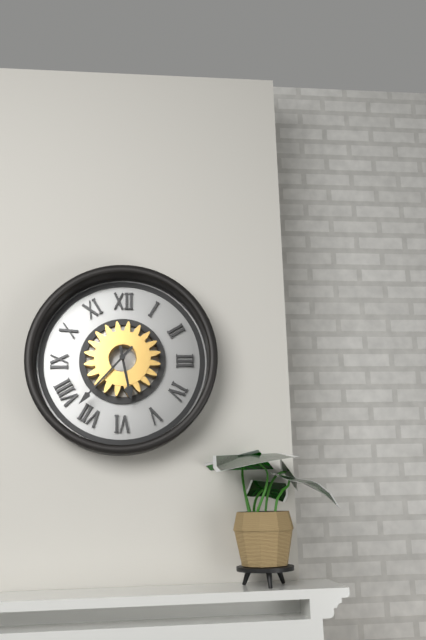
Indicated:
h=5 m=37
